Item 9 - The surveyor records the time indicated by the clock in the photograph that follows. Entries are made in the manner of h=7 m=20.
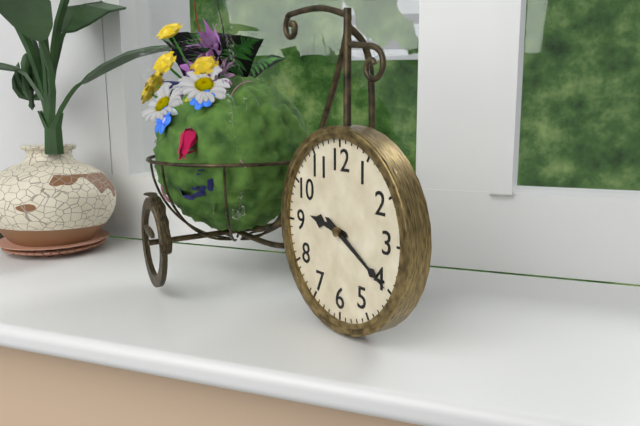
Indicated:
h=9 m=20
